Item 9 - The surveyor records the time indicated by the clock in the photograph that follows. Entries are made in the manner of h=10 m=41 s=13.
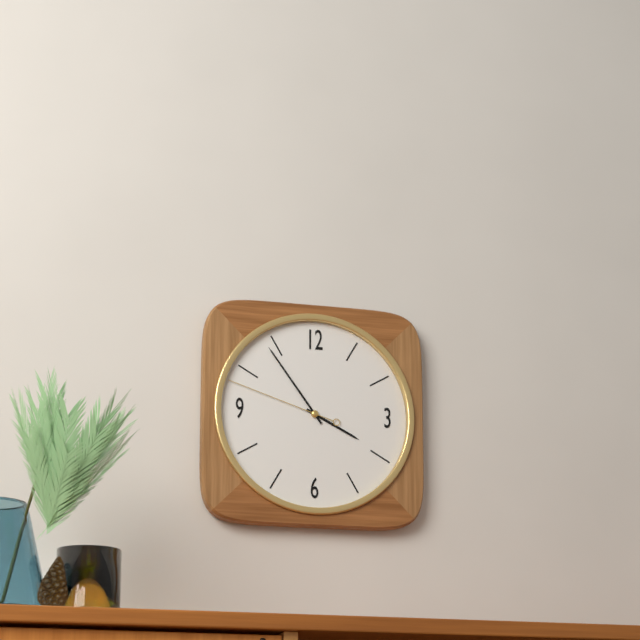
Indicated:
h=3 m=54 s=48
